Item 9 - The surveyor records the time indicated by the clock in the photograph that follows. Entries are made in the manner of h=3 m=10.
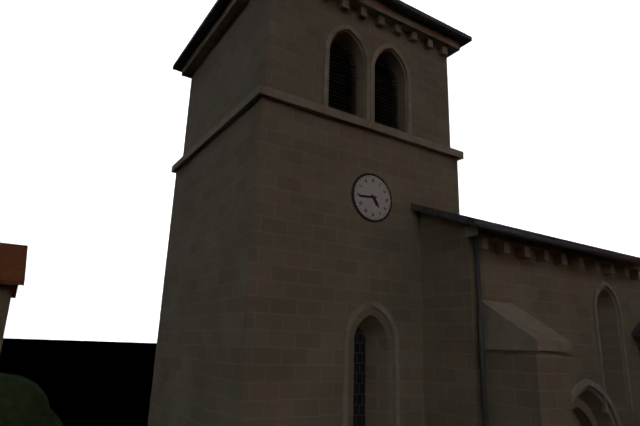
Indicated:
h=4 m=44
